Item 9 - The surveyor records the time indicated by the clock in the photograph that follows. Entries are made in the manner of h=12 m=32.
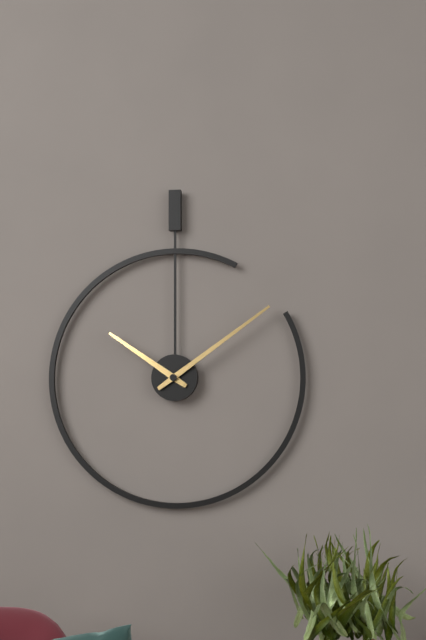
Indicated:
h=10 m=9
